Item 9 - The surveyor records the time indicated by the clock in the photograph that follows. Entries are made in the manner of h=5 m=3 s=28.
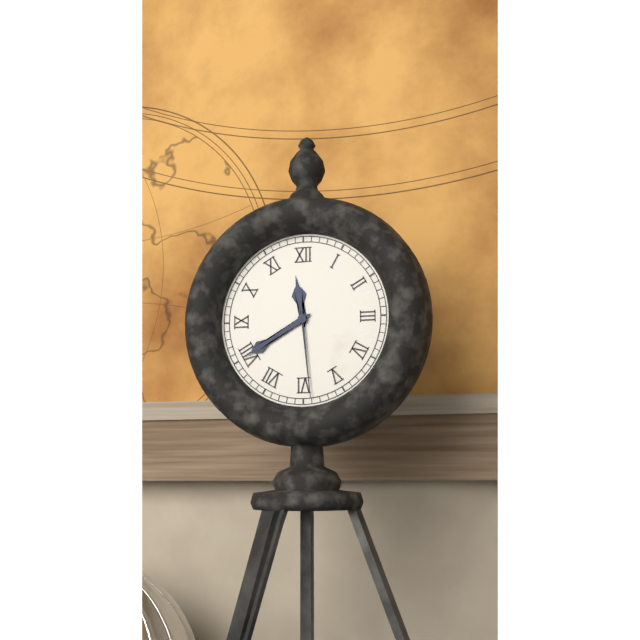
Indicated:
h=11 m=40 s=29
